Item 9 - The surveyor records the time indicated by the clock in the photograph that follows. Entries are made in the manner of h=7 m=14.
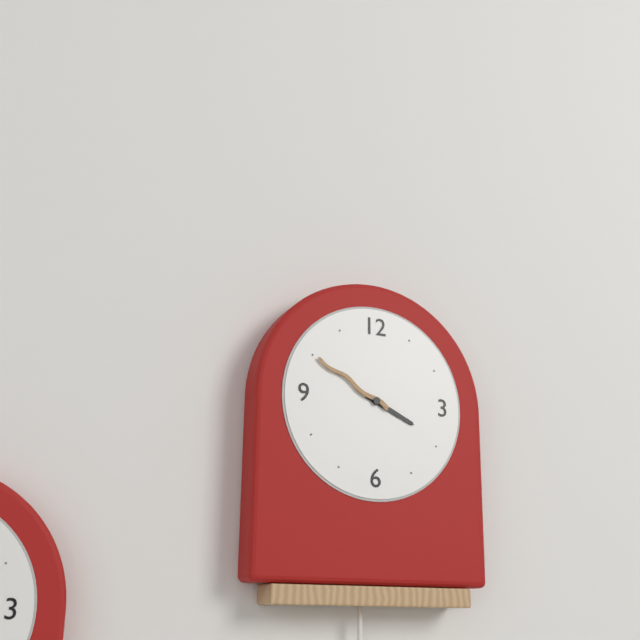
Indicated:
h=3 m=50
